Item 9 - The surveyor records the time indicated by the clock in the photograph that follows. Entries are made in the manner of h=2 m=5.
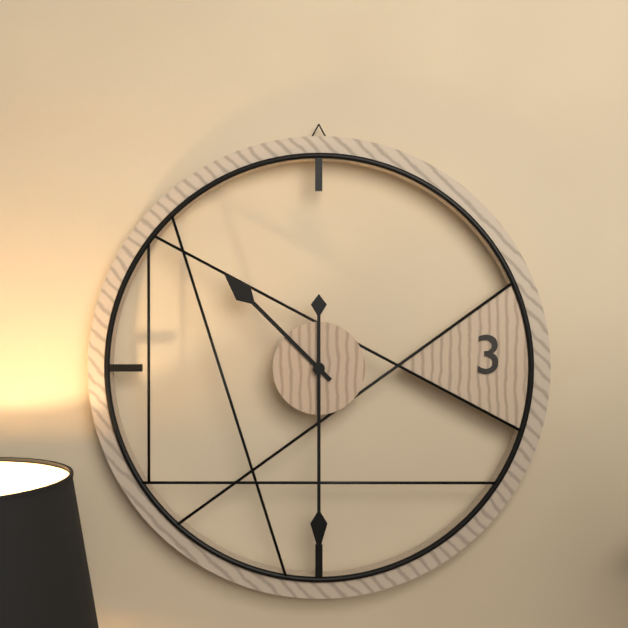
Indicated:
h=10 m=30
